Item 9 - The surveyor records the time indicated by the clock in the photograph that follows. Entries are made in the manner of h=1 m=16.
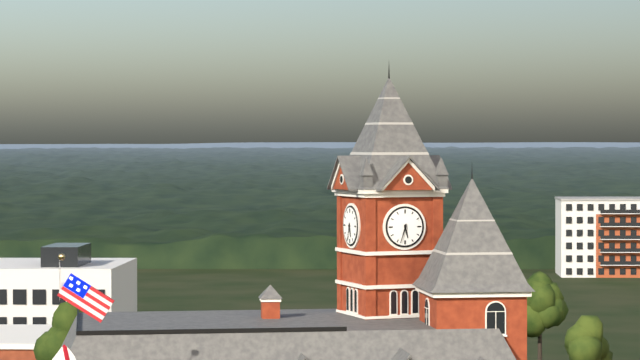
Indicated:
h=5 m=33
